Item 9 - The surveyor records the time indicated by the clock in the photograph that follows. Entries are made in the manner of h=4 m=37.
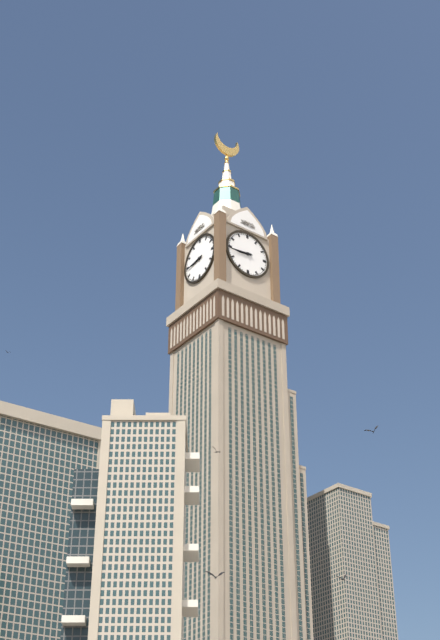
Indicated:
h=8 m=44
